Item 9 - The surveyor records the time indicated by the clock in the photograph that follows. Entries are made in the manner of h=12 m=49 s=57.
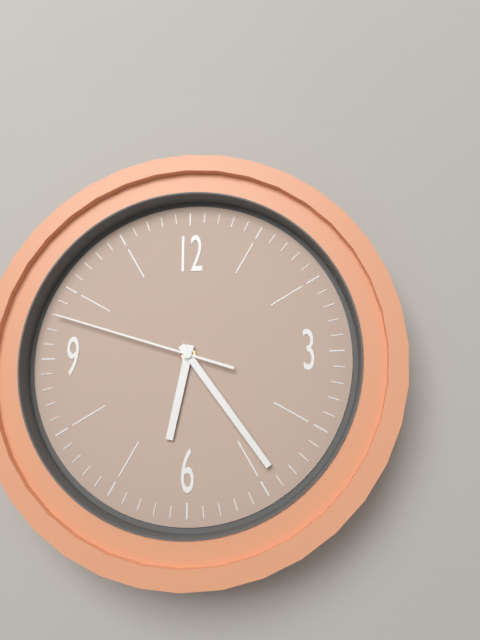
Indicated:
h=6 m=24 s=48
